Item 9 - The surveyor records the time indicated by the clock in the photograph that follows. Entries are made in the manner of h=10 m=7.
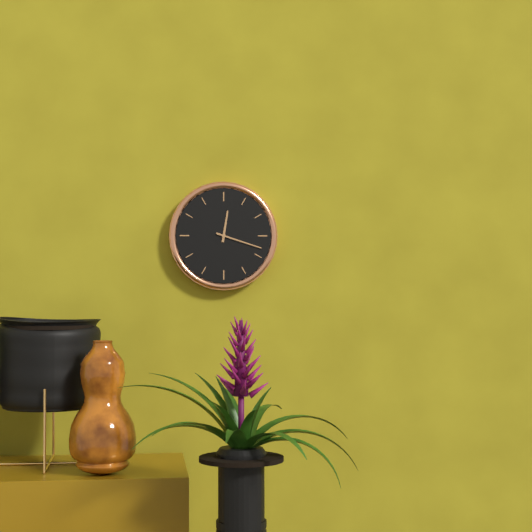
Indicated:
h=12 m=18
